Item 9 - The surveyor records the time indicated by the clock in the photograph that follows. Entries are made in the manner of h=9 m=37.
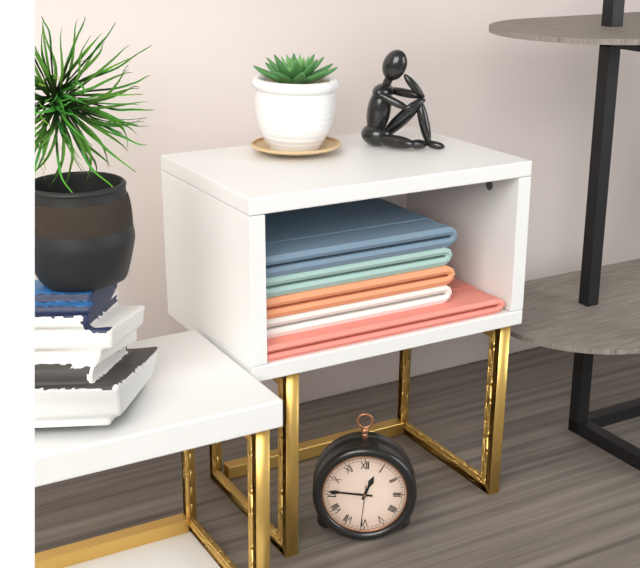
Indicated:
h=12 m=46
